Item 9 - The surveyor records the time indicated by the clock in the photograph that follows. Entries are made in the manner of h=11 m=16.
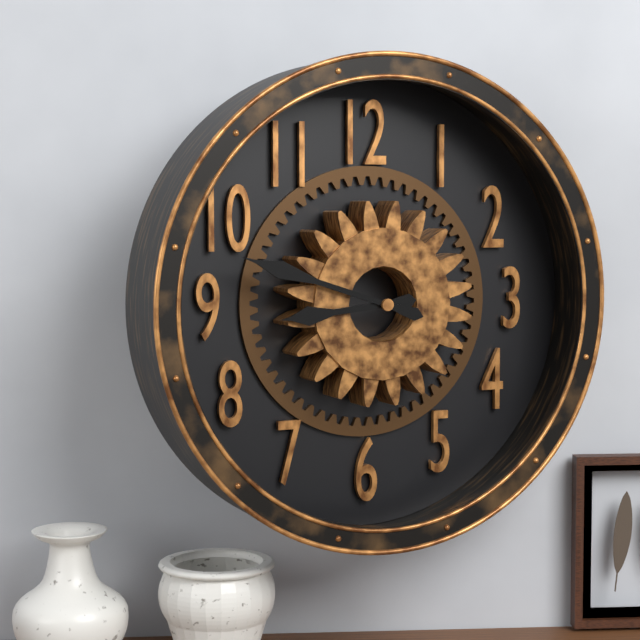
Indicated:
h=8 m=48
